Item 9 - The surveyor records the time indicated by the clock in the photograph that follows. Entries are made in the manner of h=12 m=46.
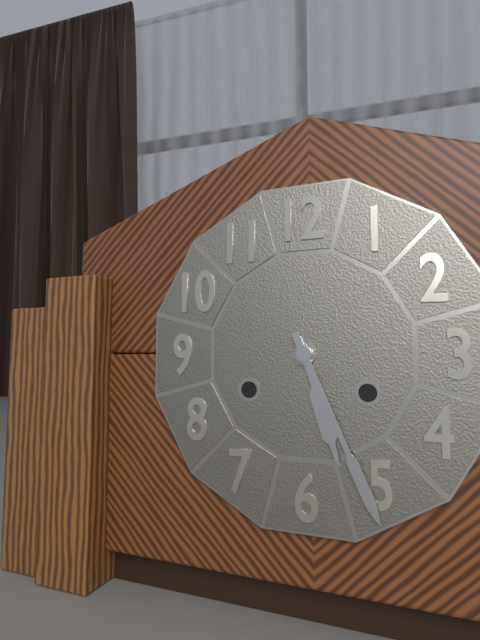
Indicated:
h=5 m=26
